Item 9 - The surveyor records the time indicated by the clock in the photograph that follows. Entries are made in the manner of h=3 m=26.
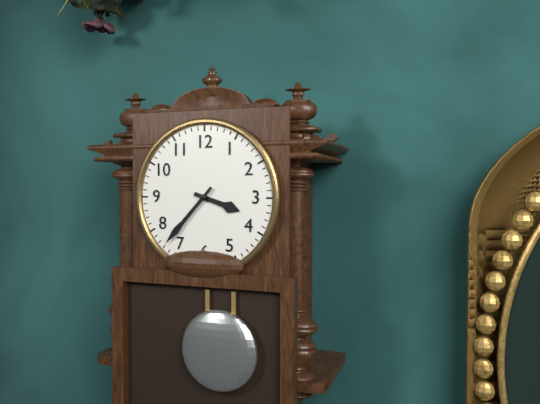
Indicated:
h=3 m=37
